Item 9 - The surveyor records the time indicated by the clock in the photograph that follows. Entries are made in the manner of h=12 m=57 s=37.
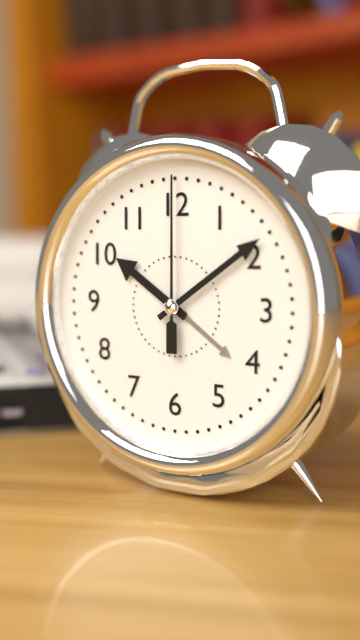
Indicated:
h=10 m=9 s=0
